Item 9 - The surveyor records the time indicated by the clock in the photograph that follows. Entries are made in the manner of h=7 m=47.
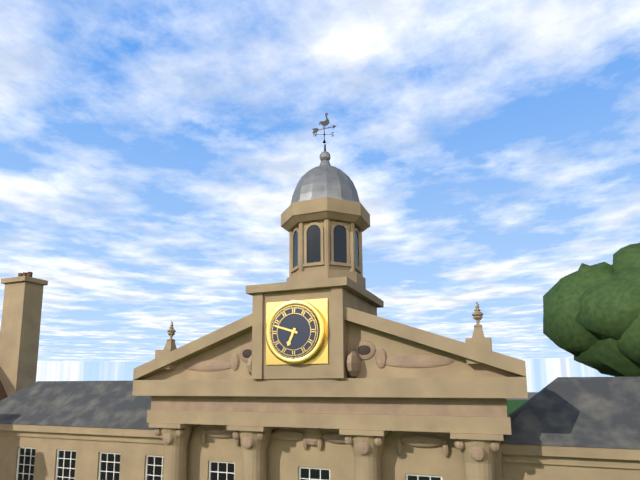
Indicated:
h=6 m=48
